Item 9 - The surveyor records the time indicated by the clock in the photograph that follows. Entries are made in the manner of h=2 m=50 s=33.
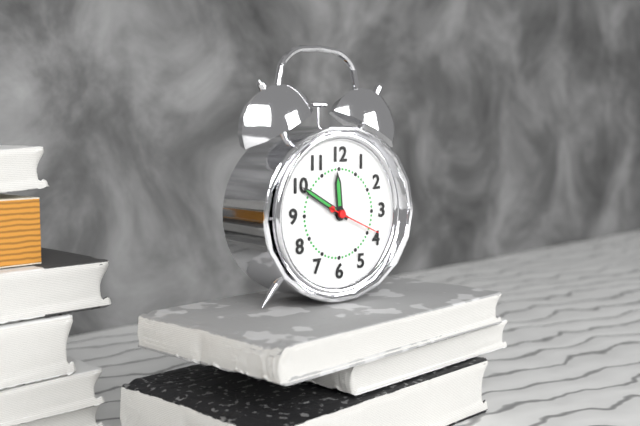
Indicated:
h=11 m=50 s=19
